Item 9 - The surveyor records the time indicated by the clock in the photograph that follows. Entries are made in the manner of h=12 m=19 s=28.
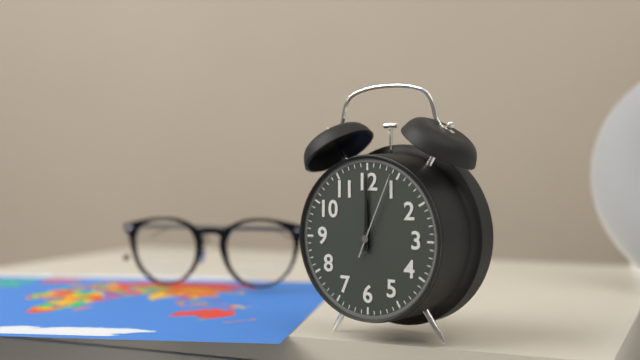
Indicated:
h=12 m=0 s=4
